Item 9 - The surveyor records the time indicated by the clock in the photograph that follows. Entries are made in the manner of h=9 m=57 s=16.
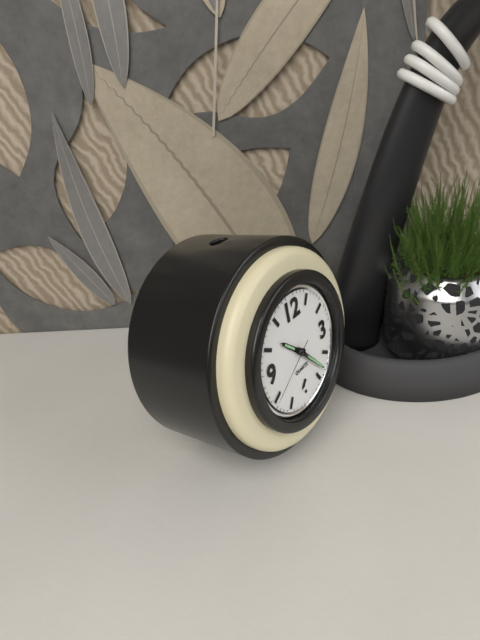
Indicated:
h=10 m=23 s=40
